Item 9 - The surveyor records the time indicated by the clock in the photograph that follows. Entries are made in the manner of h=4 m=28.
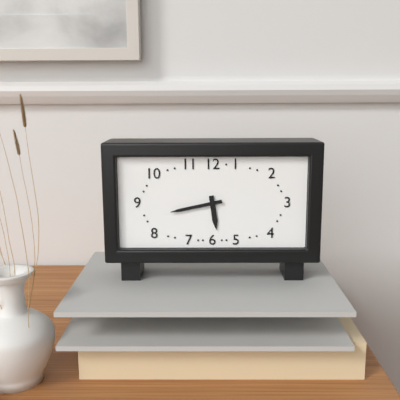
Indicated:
h=5 m=43
